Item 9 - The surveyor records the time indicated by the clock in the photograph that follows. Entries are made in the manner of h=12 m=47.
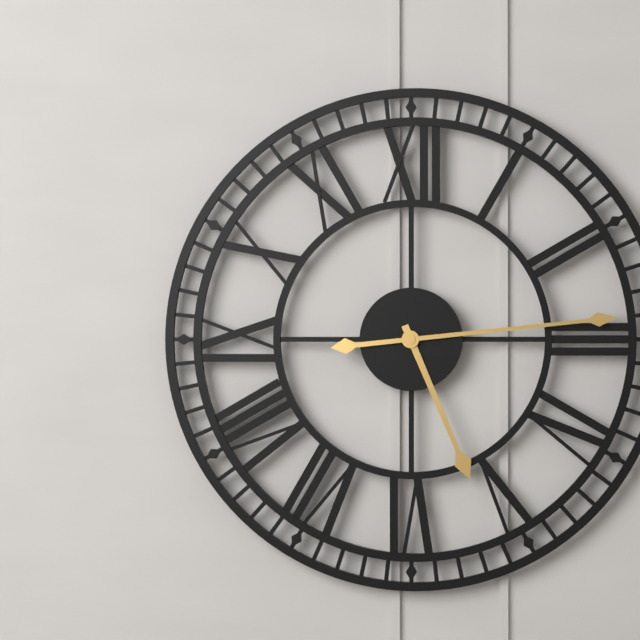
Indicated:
h=5 m=14
